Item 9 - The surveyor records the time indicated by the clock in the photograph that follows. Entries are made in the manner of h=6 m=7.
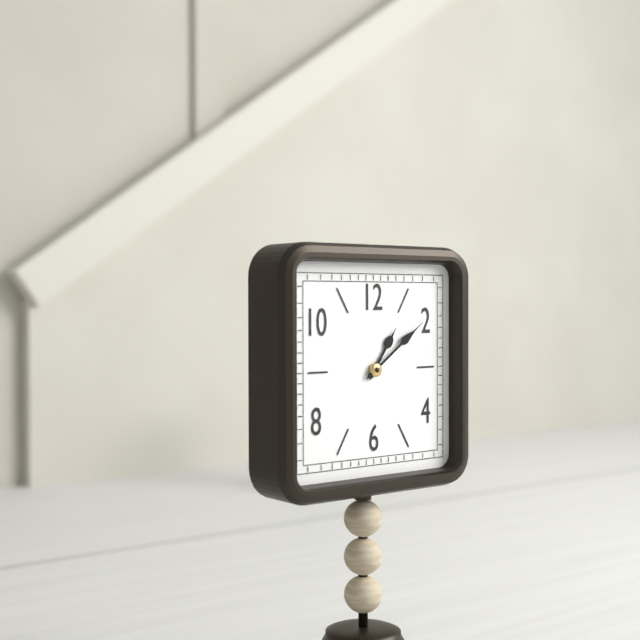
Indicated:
h=1 m=9
